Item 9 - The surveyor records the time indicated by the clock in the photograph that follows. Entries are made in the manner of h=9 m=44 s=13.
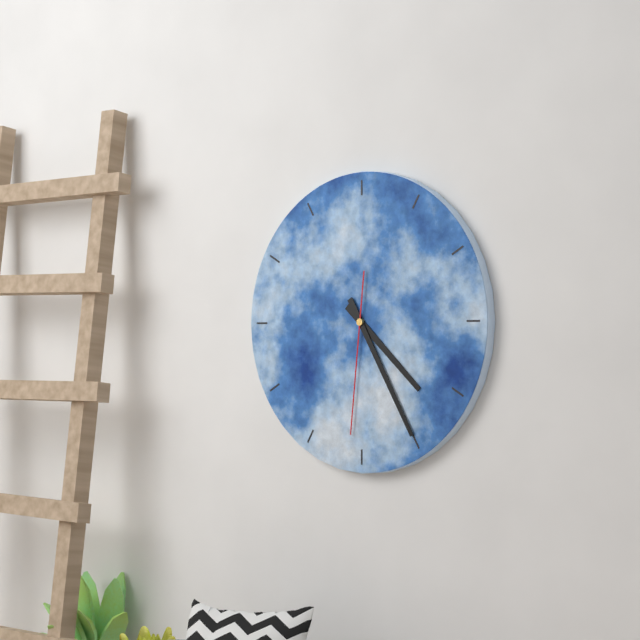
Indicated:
h=4 m=25 s=31
